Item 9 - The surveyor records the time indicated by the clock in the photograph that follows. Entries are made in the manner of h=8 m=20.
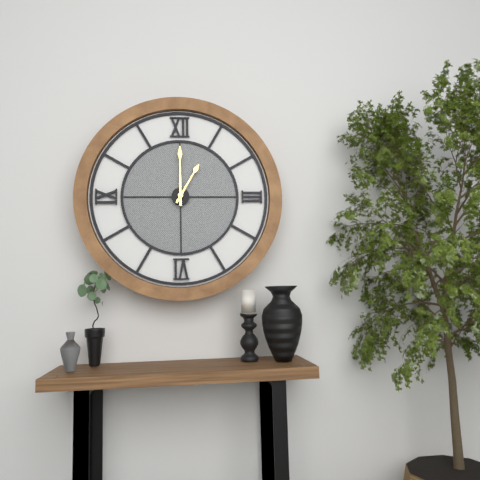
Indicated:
h=1 m=0
